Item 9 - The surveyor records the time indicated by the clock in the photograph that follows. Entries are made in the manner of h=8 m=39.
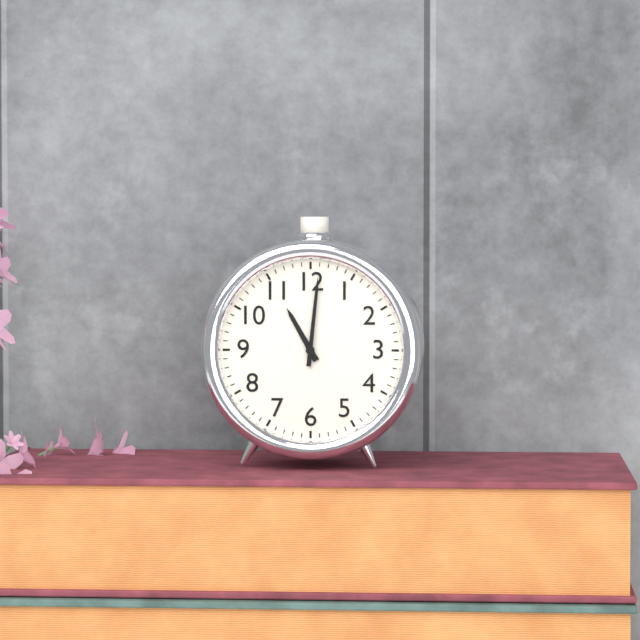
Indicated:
h=11 m=1
